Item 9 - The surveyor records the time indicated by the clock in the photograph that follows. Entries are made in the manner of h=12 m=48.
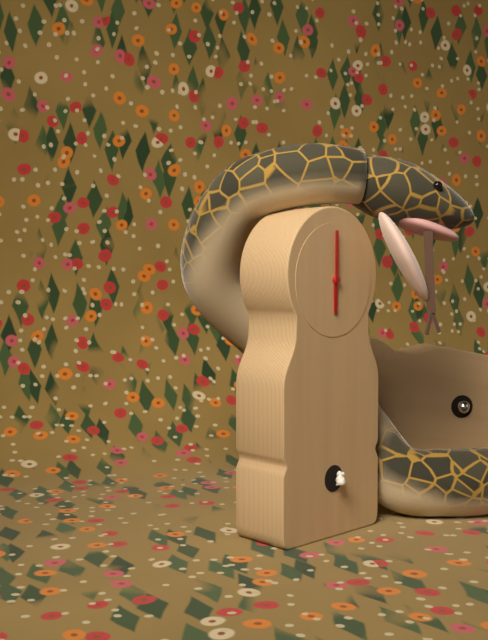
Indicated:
h=6 m=0
